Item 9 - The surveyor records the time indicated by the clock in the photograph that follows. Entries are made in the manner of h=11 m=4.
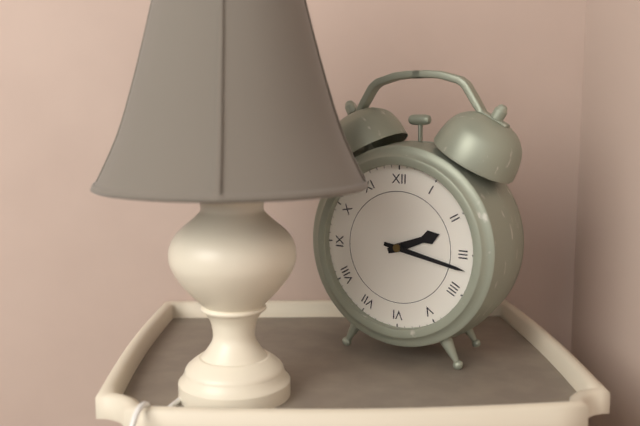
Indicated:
h=2 m=17
